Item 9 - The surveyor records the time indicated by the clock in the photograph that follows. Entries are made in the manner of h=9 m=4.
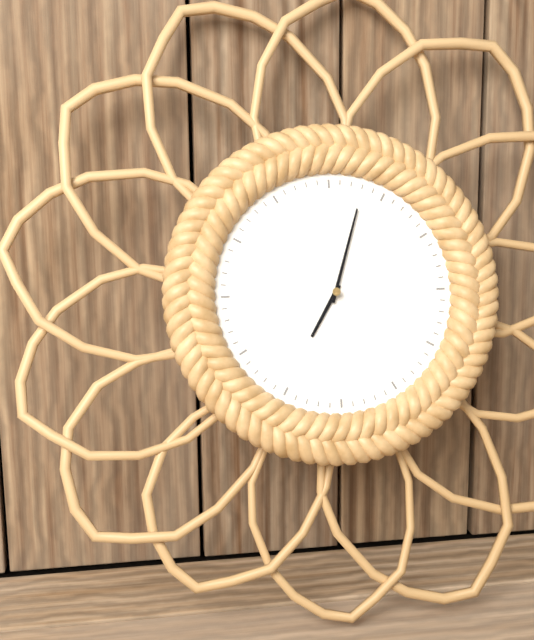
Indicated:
h=7 m=3
